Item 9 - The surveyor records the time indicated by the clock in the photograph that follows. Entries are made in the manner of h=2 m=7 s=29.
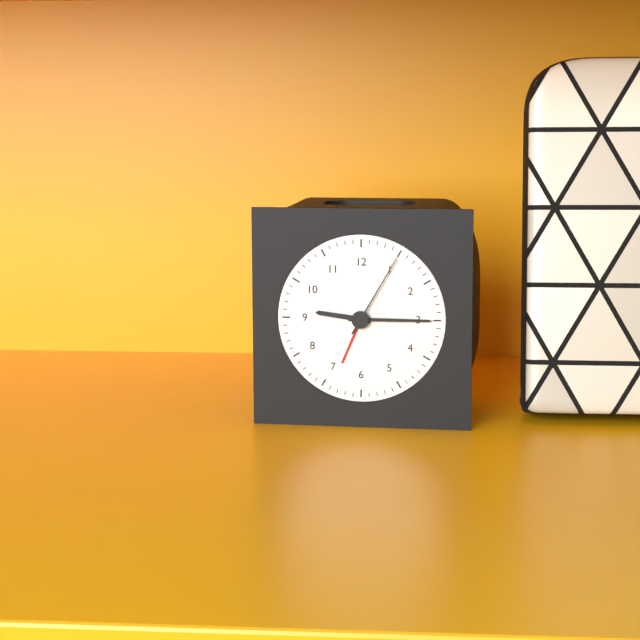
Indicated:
h=9 m=15 s=5
